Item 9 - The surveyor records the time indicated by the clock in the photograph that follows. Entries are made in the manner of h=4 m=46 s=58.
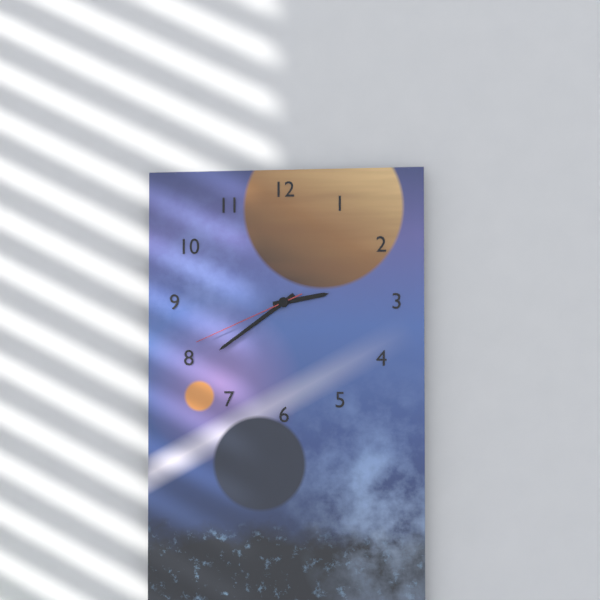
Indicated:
h=2 m=39 s=41
